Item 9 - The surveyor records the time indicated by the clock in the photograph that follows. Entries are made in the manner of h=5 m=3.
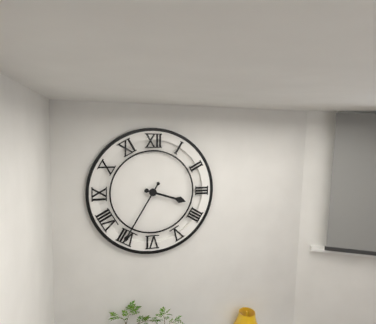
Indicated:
h=3 m=35
